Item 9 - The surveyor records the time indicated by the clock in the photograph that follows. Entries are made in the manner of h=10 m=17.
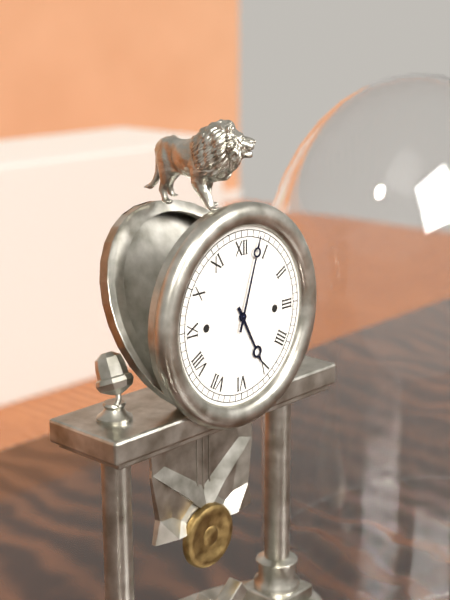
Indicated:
h=5 m=3
